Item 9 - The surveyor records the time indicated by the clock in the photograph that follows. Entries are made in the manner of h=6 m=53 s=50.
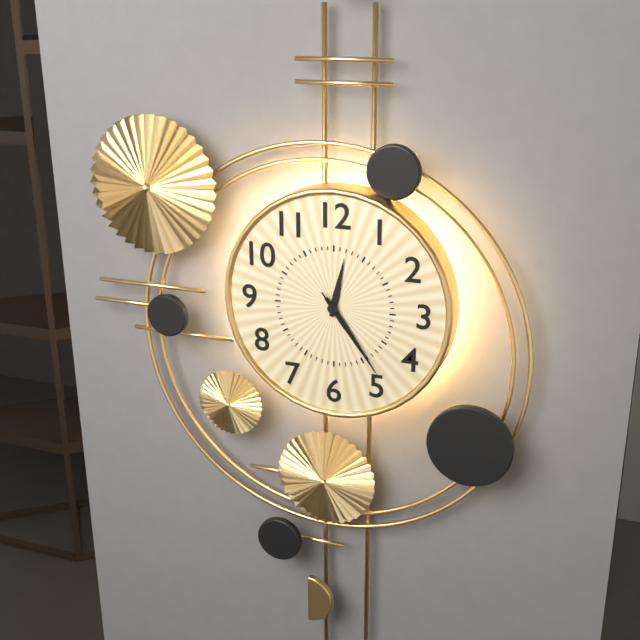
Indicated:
h=12 m=24 s=24
